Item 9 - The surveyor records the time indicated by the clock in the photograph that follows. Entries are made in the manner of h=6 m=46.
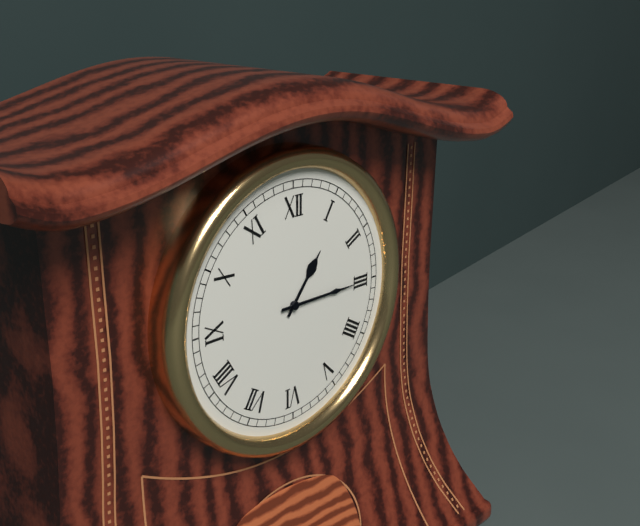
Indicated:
h=1 m=15
